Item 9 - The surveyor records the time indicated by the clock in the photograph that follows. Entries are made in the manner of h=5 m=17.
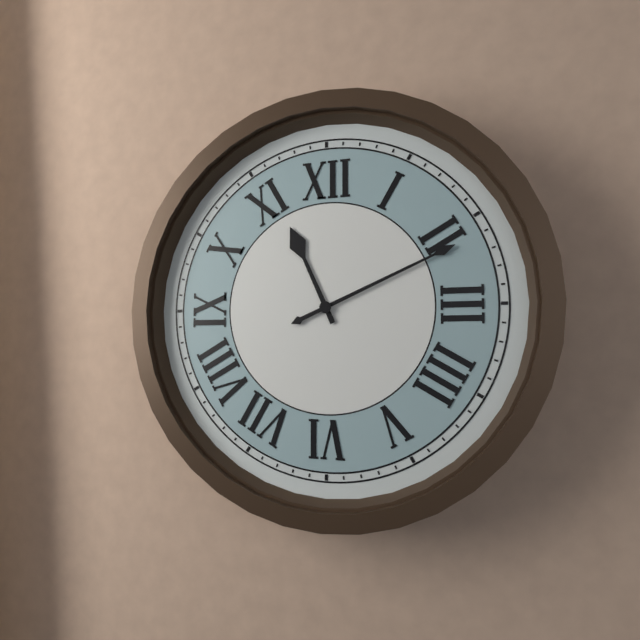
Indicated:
h=11 m=11
